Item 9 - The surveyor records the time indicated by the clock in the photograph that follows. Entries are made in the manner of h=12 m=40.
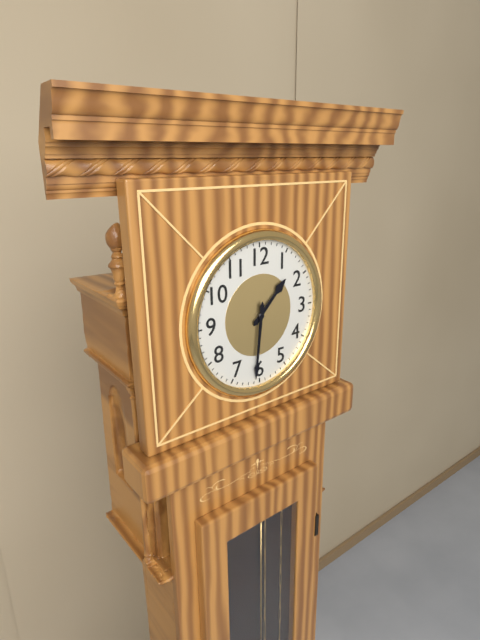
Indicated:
h=1 m=31
